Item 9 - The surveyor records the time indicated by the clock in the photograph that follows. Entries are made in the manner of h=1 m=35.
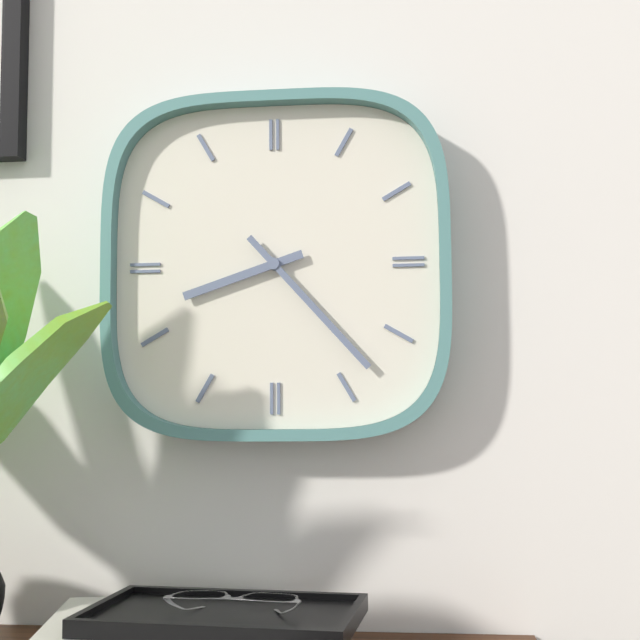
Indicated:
h=8 m=23
